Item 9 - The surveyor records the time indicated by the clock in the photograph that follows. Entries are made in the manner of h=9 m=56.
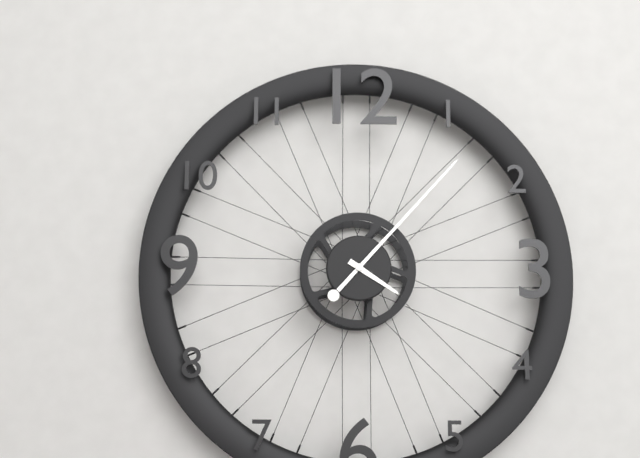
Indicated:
h=4 m=7
